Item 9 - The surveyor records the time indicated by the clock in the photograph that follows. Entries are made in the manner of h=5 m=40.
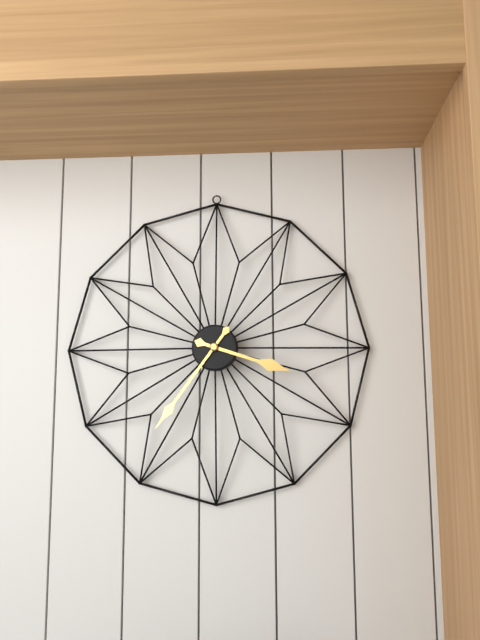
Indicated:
h=3 m=36
